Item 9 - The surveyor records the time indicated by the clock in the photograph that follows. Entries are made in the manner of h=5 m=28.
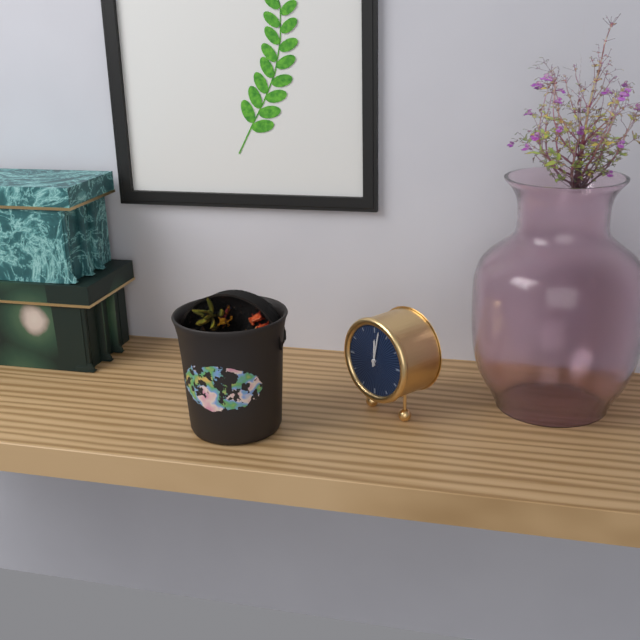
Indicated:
h=12 m=2
